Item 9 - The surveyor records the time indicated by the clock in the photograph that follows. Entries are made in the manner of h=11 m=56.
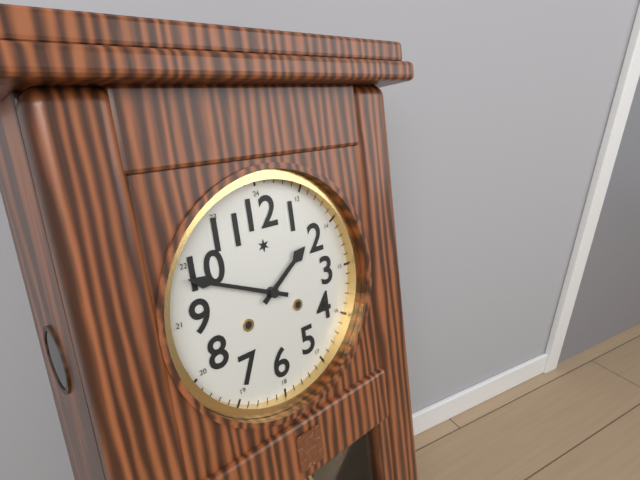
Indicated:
h=1 m=49
